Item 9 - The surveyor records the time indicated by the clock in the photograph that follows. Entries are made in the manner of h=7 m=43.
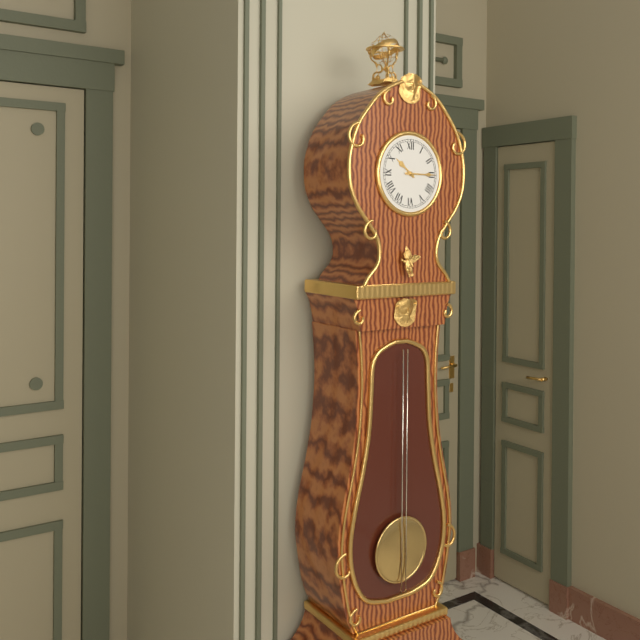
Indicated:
h=10 m=15
